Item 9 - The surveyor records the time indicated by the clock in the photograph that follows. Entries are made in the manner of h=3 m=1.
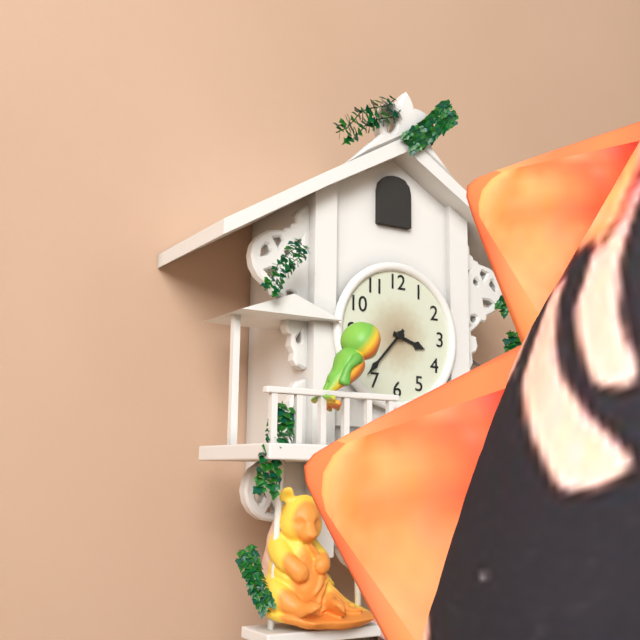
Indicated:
h=3 m=37
